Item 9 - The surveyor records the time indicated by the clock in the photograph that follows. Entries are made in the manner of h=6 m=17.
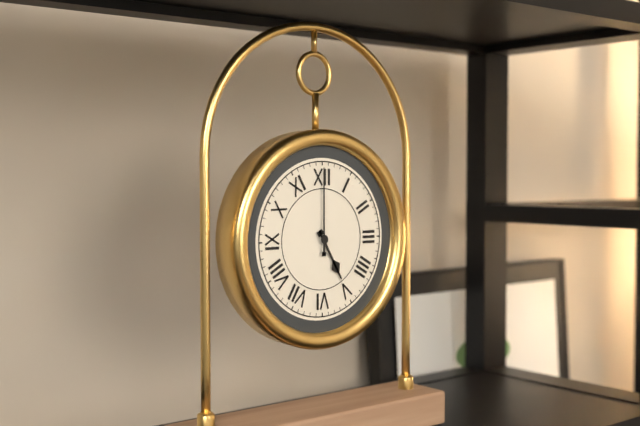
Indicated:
h=5 m=0
